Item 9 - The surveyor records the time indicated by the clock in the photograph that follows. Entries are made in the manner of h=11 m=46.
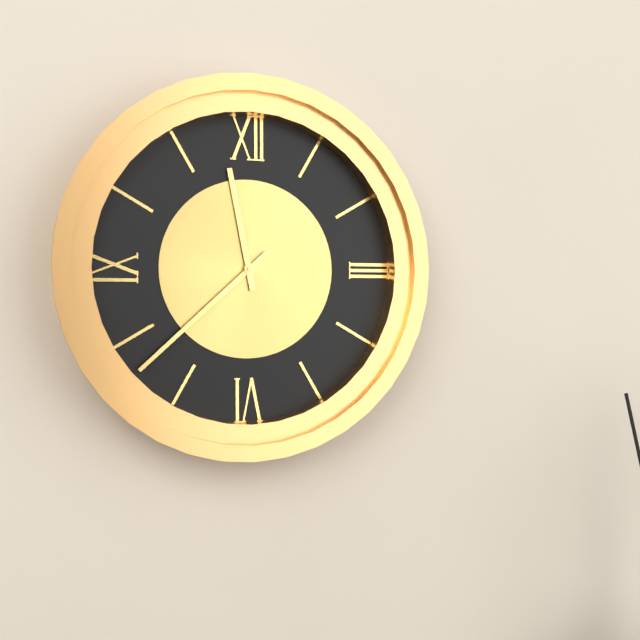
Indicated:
h=11 m=38
